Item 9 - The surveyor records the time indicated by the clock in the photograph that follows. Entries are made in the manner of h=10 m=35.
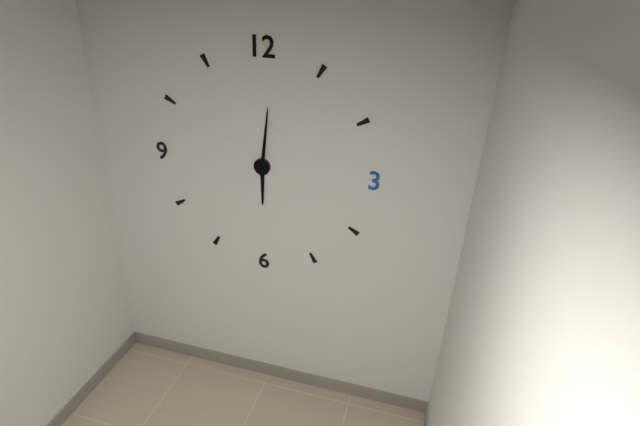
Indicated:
h=6 m=1
